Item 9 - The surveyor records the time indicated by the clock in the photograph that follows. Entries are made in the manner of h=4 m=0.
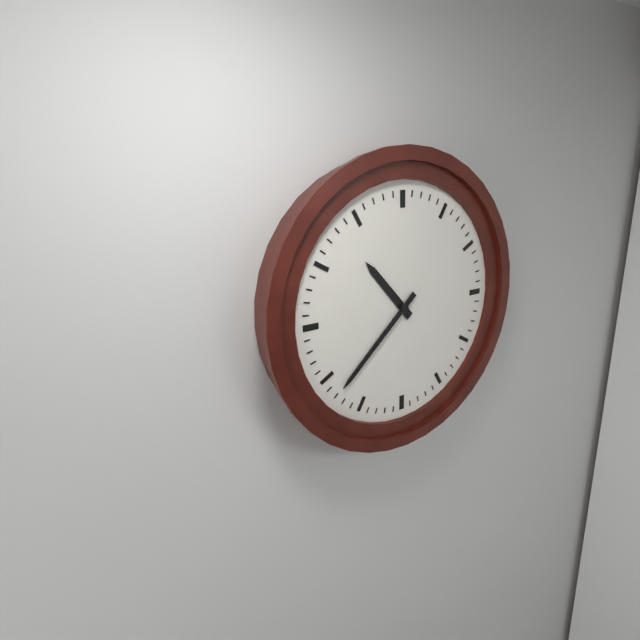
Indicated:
h=10 m=38
